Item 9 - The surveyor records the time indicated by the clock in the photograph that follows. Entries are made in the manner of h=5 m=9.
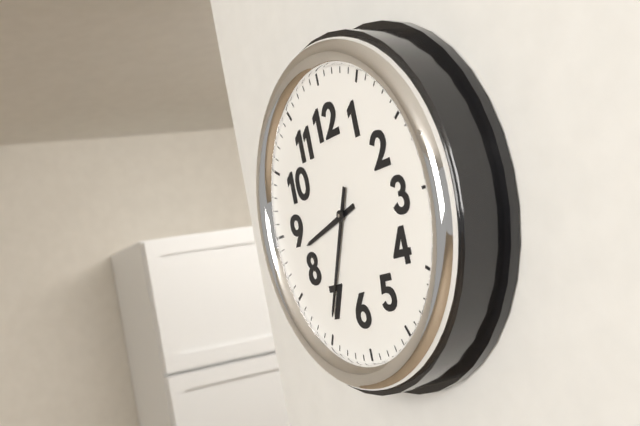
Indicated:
h=8 m=35
